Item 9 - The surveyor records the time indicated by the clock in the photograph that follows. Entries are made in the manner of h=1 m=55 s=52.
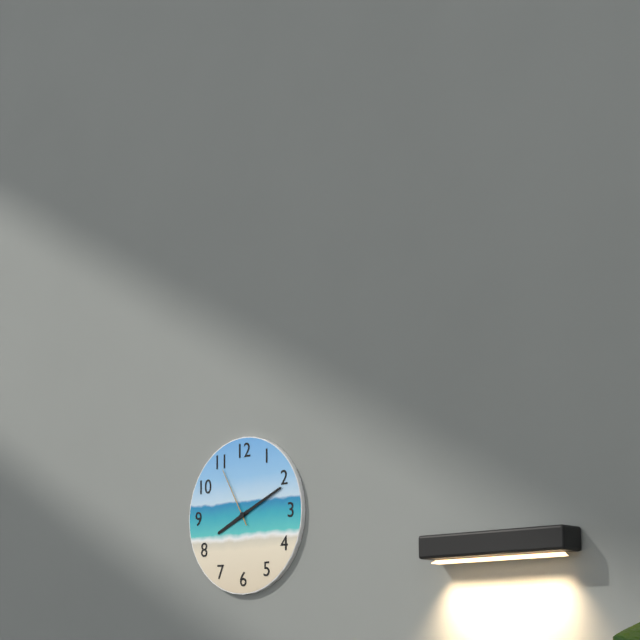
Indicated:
h=8 m=11 s=55
